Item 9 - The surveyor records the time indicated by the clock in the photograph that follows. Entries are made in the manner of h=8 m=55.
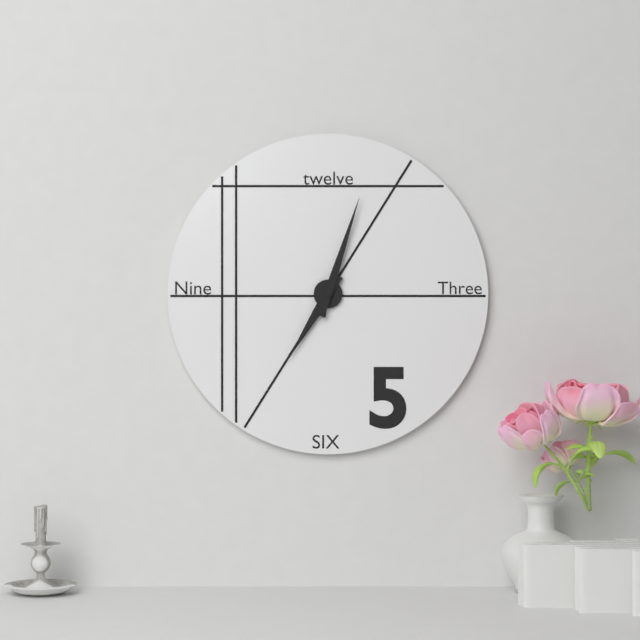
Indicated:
h=7 m=3
